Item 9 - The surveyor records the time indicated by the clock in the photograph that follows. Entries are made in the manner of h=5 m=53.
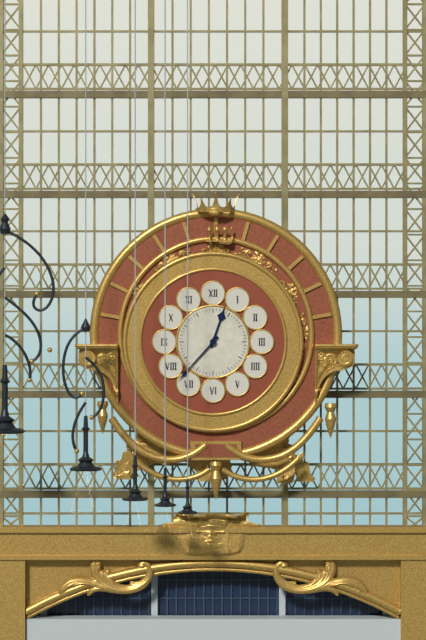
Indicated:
h=12 m=37
